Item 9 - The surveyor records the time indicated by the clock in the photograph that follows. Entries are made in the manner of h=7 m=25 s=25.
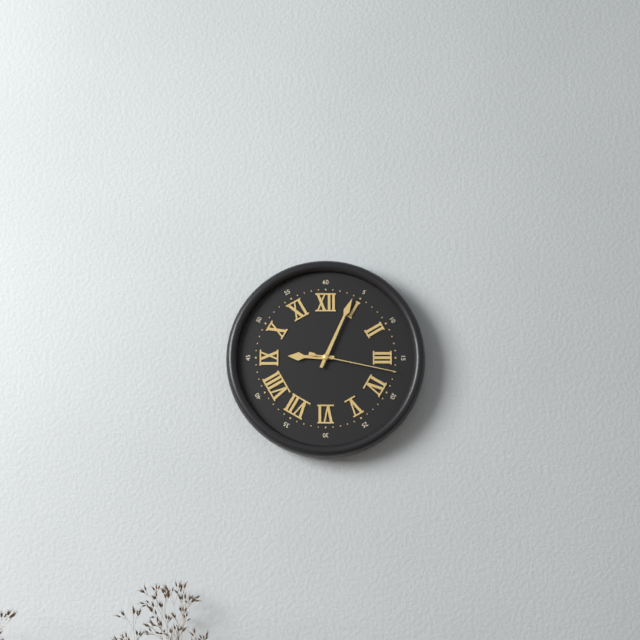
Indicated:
h=9 m=4 s=17
